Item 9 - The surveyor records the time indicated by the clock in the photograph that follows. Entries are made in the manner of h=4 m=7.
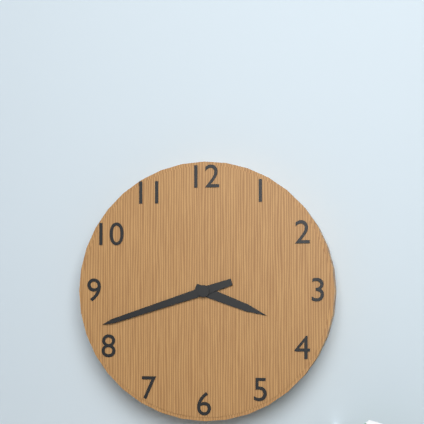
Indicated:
h=3 m=42
